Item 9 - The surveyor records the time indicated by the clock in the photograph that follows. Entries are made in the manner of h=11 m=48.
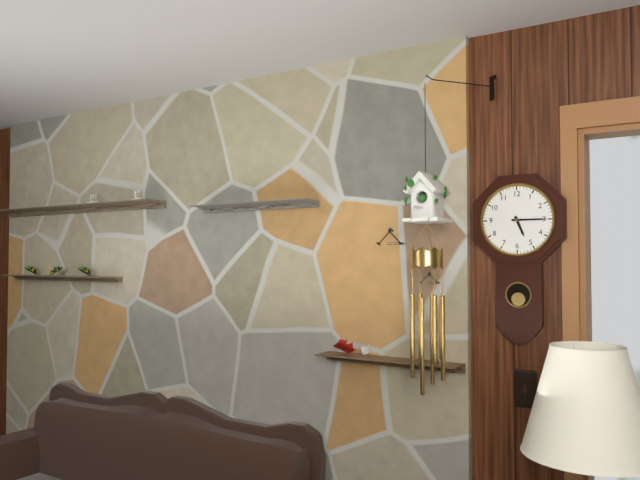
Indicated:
h=5 m=15
